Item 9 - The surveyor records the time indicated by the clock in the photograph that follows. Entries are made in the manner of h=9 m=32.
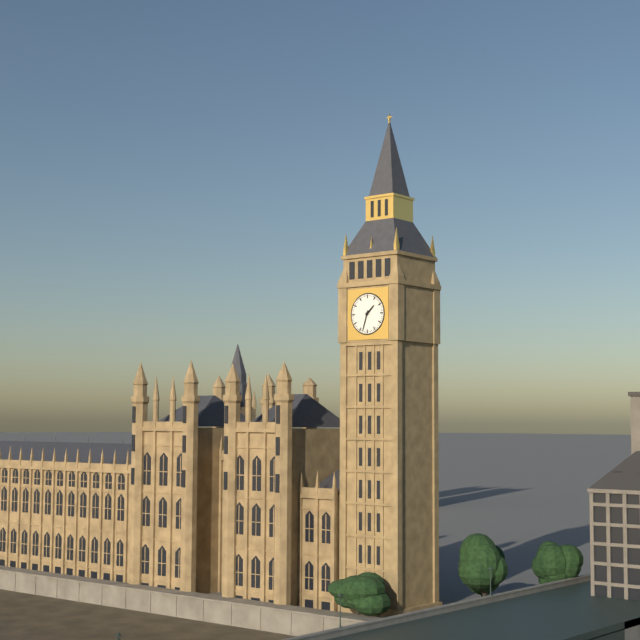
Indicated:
h=1 m=33
